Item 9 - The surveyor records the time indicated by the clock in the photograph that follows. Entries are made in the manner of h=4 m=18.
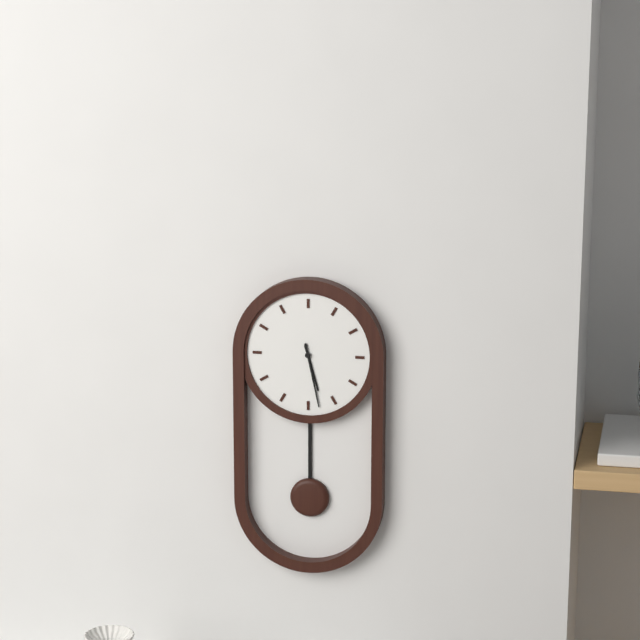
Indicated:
h=5 m=28
